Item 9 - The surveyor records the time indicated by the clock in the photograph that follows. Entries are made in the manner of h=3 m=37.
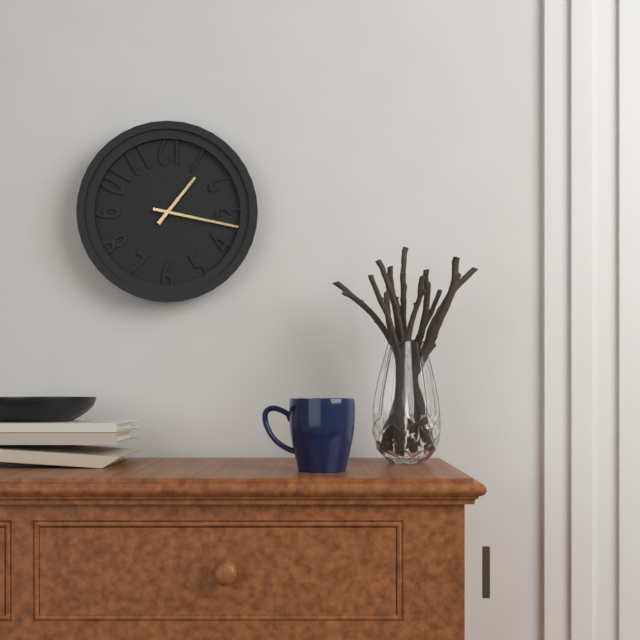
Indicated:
h=1 m=17
